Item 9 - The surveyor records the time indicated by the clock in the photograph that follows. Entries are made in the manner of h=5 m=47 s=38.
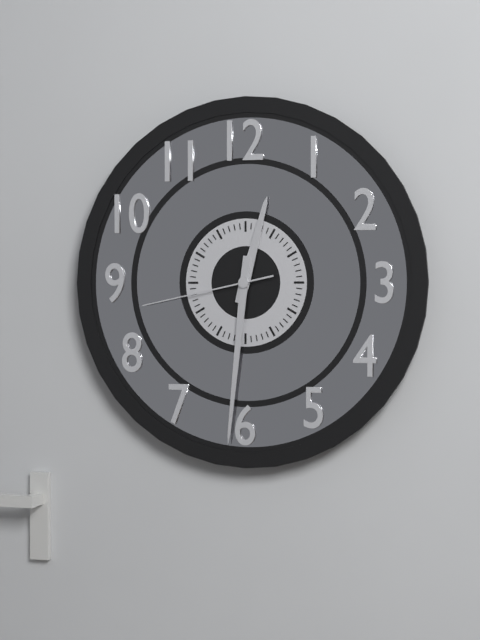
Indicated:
h=12 m=31 s=43
